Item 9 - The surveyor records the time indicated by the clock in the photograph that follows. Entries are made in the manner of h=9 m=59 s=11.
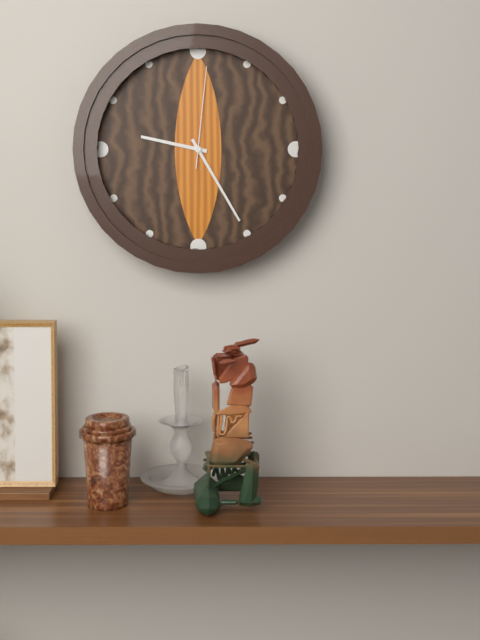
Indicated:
h=9 m=25 s=1
